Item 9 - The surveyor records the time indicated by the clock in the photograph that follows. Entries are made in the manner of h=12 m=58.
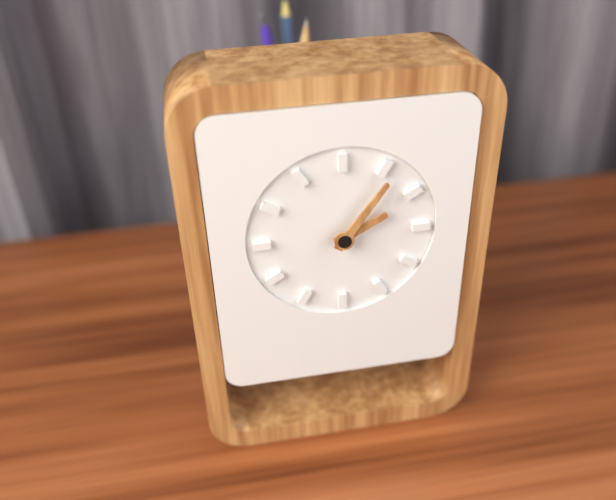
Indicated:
h=2 m=6
